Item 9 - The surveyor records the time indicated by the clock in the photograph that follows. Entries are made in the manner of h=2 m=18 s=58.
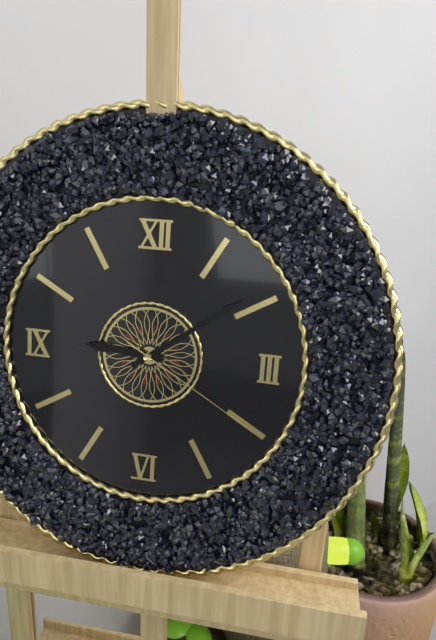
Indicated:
h=9 m=9 s=20
